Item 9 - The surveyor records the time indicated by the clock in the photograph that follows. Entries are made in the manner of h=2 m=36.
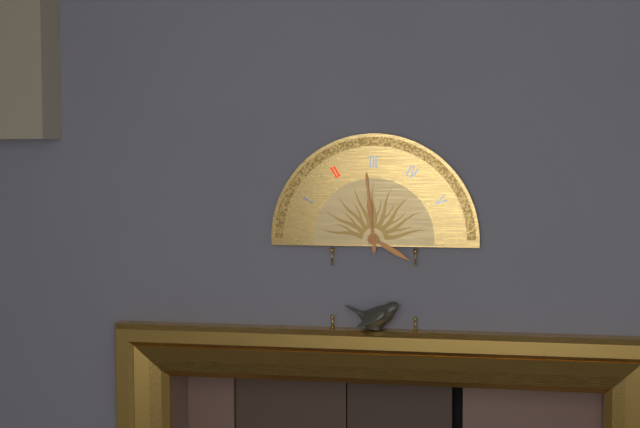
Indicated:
h=3 m=59
